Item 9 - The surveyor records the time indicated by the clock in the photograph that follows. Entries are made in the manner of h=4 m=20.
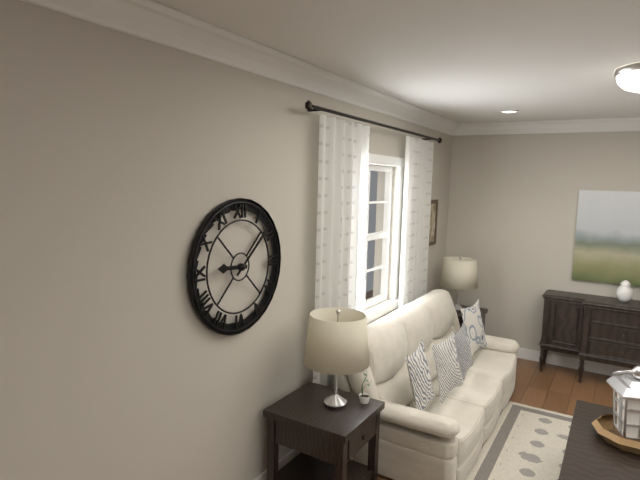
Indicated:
h=9 m=8
